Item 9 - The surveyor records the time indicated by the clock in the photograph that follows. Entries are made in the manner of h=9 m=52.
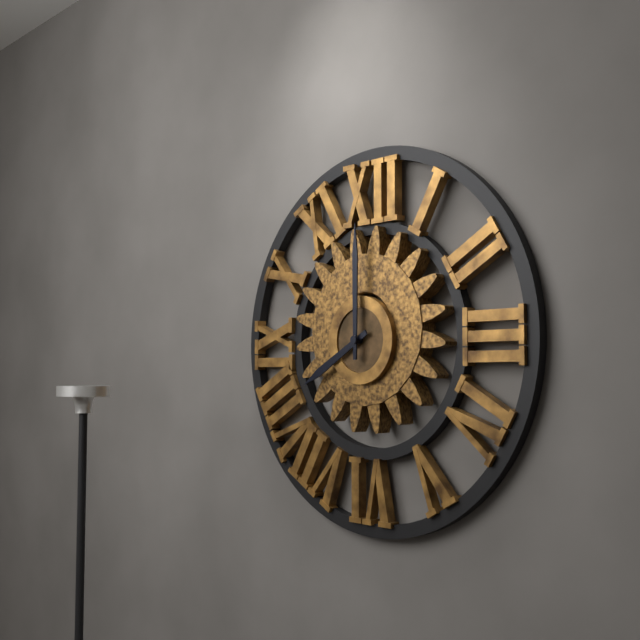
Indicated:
h=8 m=0
